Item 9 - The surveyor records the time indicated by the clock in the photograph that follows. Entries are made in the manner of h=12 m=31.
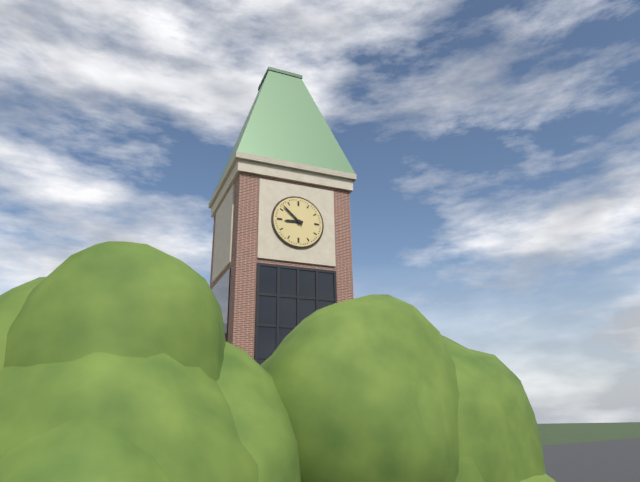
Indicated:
h=8 m=52
